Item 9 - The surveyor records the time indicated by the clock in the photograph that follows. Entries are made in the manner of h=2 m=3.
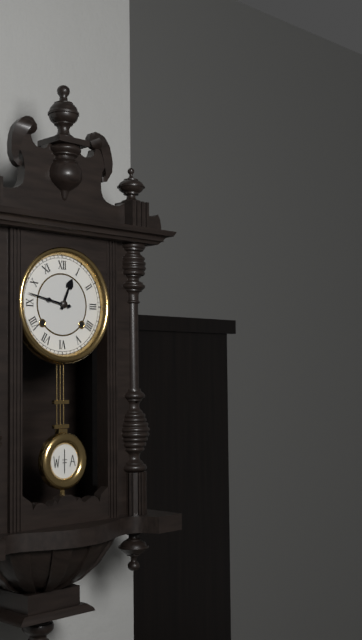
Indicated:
h=12 m=47
